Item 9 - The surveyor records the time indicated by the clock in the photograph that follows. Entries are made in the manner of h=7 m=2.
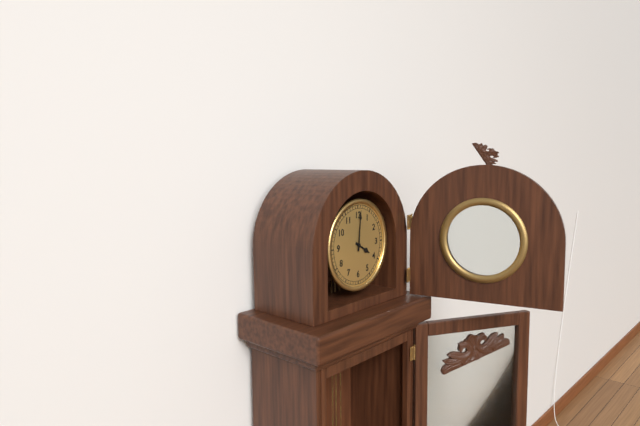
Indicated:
h=4 m=1
